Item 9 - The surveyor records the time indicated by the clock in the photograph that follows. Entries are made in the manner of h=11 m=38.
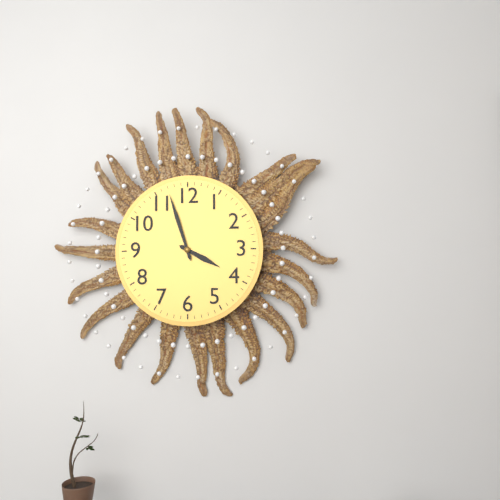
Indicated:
h=3 m=57
